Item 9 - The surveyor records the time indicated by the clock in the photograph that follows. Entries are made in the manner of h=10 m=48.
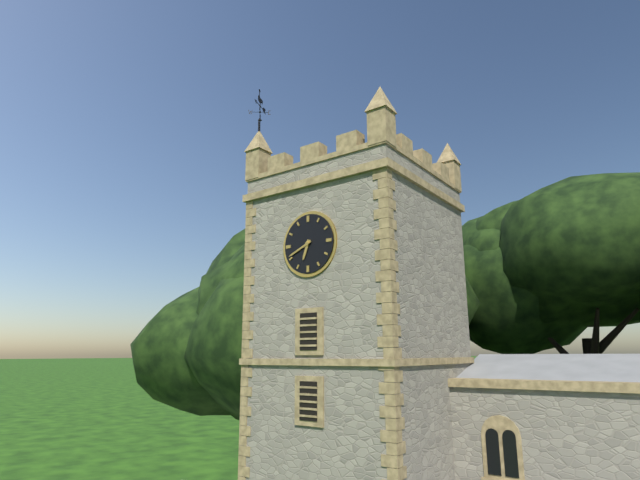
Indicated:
h=6 m=41
